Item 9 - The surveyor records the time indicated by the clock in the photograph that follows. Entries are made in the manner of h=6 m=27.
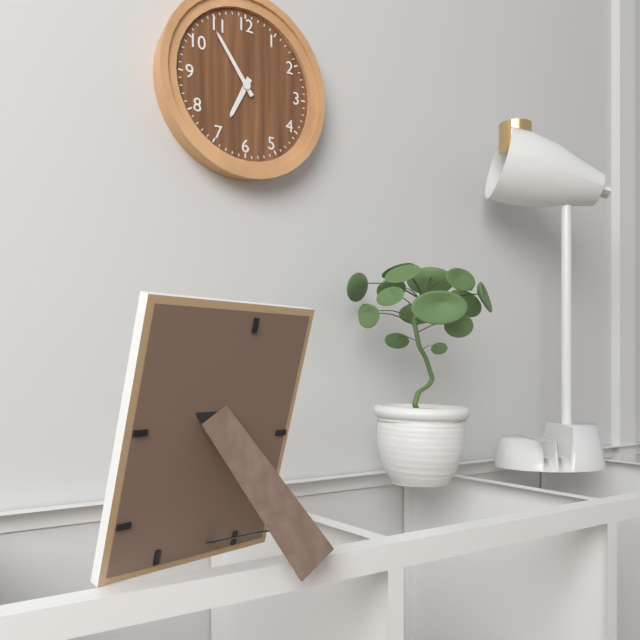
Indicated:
h=6 m=54
